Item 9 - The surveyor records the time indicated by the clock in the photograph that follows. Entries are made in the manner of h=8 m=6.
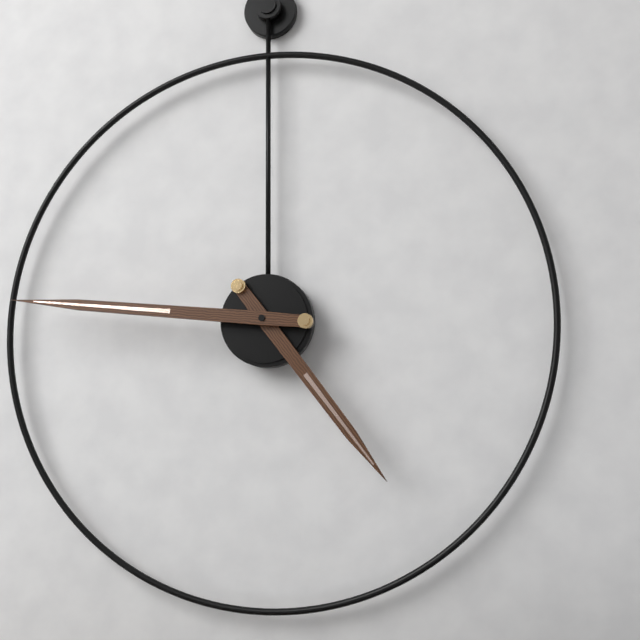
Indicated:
h=4 m=46
